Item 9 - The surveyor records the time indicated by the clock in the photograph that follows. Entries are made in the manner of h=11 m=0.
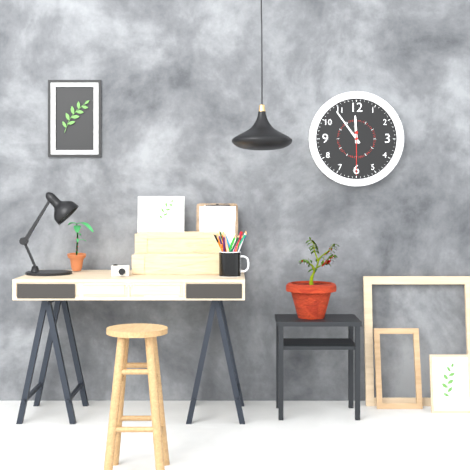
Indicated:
h=11 m=54
